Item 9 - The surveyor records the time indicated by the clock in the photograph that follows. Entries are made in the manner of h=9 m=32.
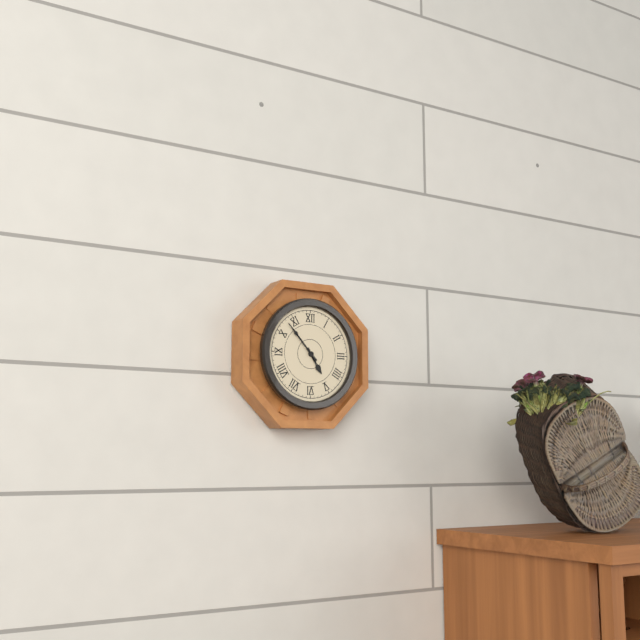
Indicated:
h=4 m=53
